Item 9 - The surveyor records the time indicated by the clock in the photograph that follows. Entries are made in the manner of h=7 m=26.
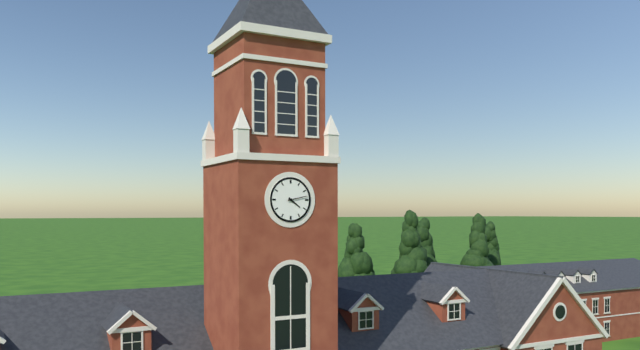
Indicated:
h=4 m=13
